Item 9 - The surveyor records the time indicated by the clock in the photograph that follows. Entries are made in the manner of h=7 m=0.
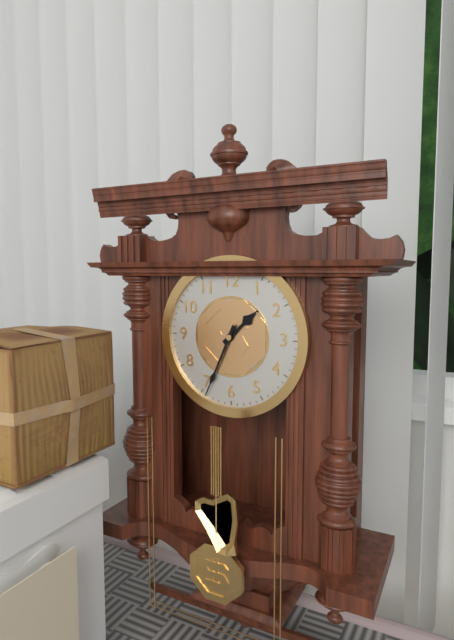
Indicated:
h=1 m=34
